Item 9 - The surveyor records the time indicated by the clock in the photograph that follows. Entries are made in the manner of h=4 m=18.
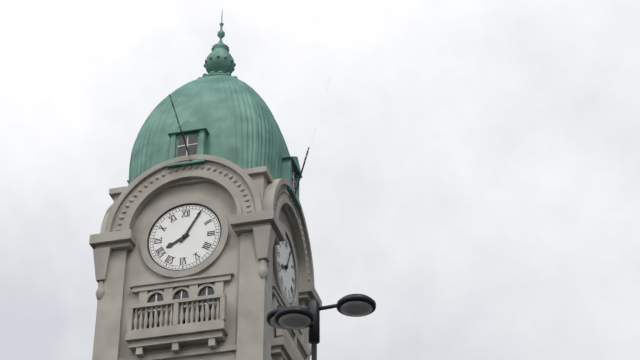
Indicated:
h=8 m=5
